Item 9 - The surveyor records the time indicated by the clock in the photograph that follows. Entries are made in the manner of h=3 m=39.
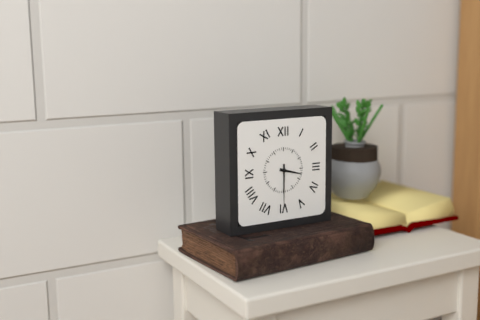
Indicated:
h=3 m=30
